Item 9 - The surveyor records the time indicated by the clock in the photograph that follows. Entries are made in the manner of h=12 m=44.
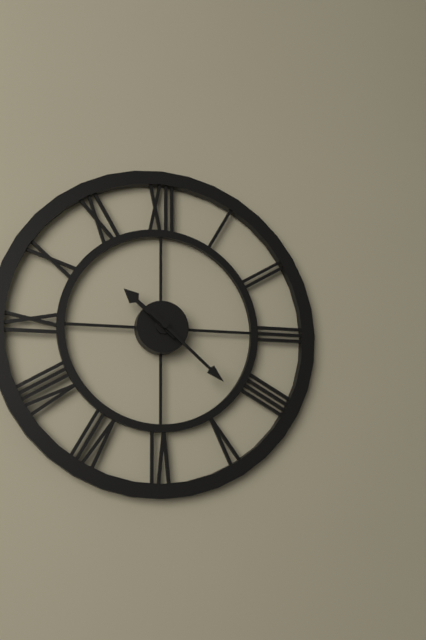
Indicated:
h=10 m=22
